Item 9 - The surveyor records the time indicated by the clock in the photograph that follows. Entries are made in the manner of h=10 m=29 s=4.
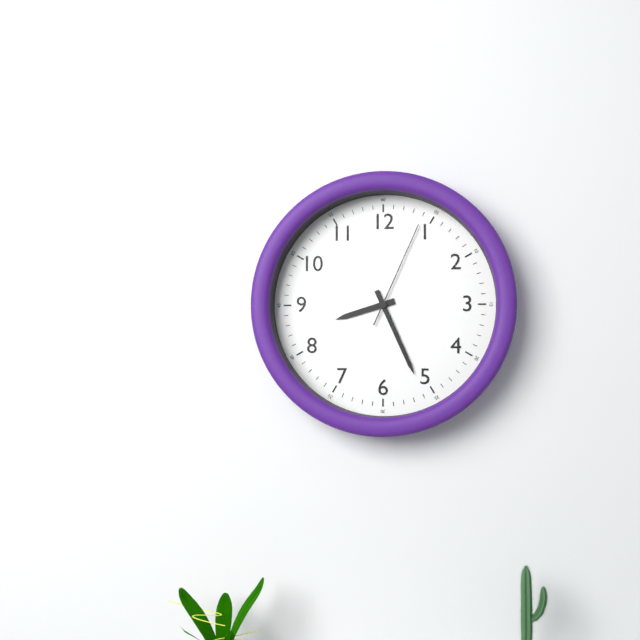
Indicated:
h=8 m=26 s=4
